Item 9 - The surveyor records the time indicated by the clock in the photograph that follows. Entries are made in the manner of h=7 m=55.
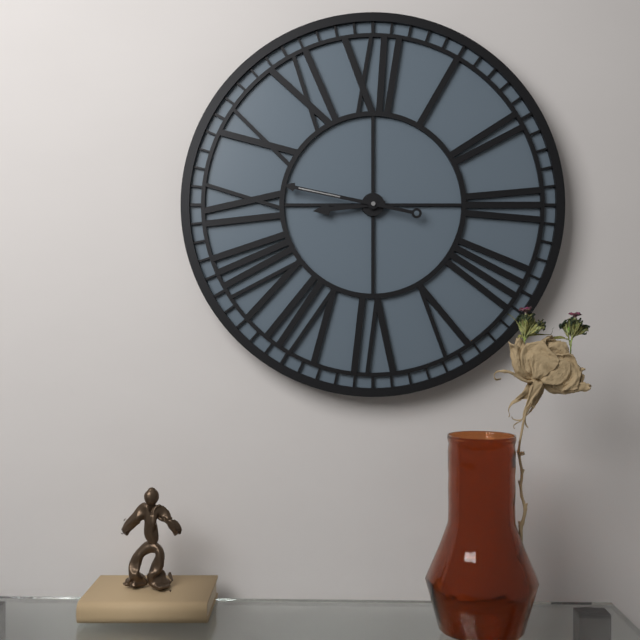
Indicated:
h=8 m=47
